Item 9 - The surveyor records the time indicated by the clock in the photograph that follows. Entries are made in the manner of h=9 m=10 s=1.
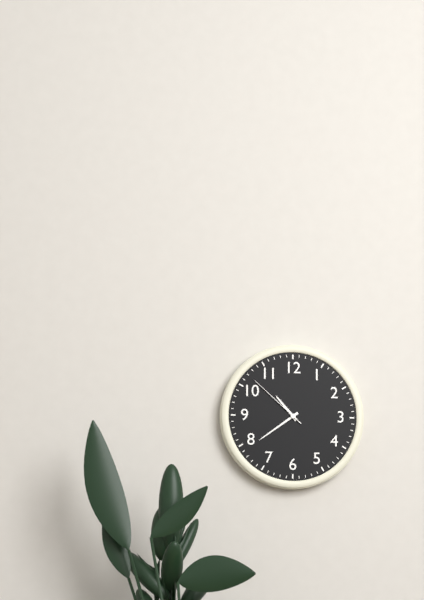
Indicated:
h=10 m=39 s=52
